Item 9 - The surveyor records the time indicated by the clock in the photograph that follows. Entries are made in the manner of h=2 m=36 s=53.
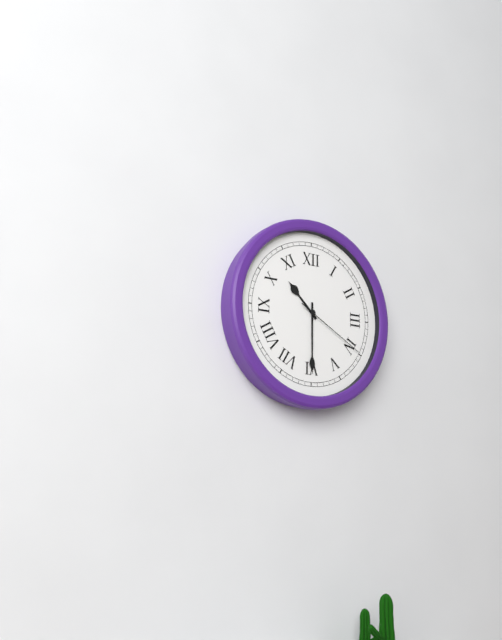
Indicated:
h=10 m=30 s=20
